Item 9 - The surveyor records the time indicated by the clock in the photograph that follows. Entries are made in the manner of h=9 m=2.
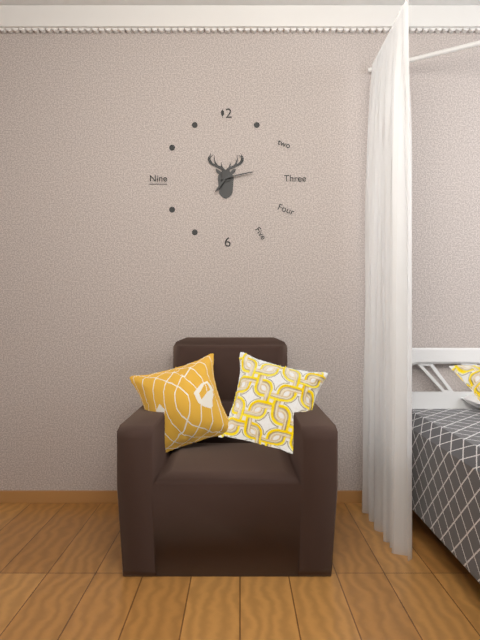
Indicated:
h=7 m=13
